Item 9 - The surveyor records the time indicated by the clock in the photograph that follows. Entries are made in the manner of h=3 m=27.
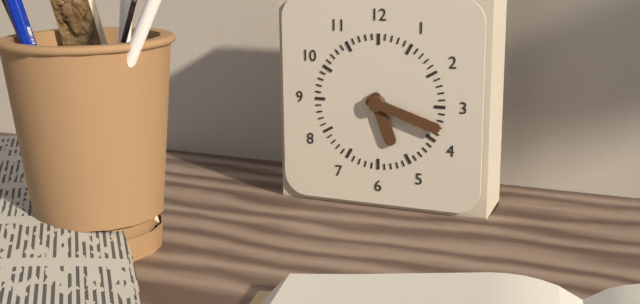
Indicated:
h=5 m=18
